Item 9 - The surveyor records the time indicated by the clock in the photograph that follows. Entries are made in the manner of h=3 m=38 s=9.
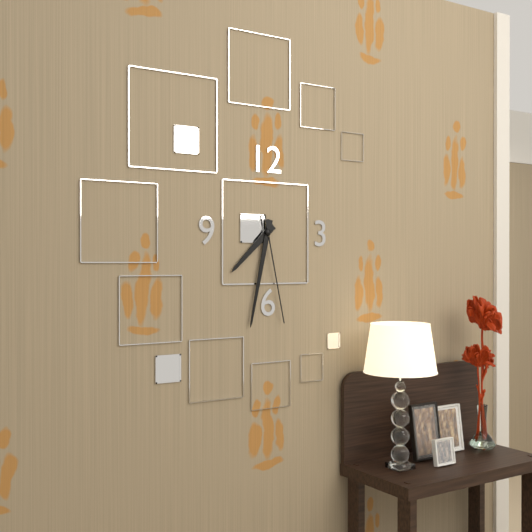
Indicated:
h=7 m=32 s=28
